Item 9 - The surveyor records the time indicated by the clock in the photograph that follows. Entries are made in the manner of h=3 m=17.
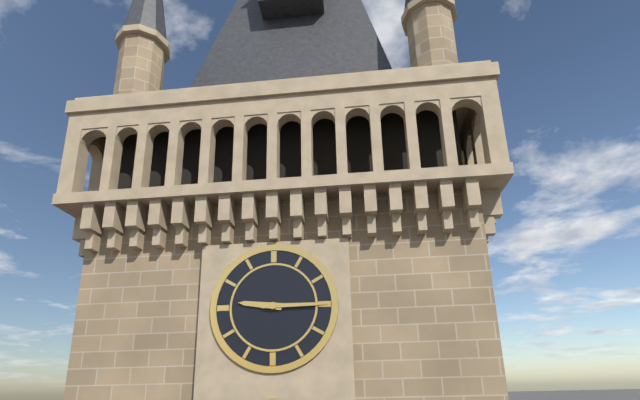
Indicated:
h=9 m=15
